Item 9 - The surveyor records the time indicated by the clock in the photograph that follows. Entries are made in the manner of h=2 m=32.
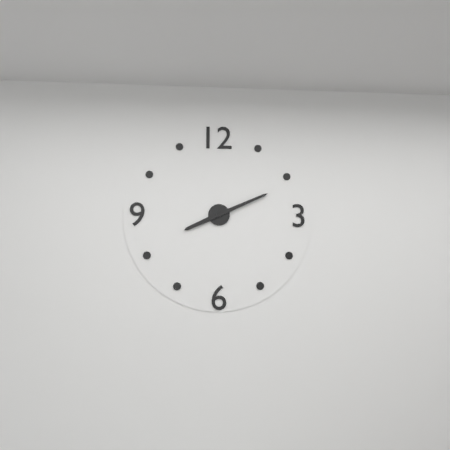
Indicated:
h=8 m=11
